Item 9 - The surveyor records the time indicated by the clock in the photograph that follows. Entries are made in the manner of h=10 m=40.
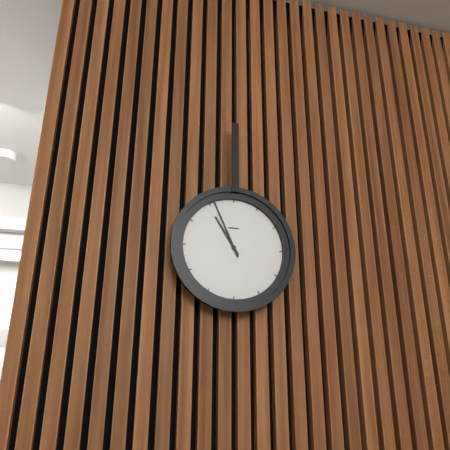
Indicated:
h=10 m=56
